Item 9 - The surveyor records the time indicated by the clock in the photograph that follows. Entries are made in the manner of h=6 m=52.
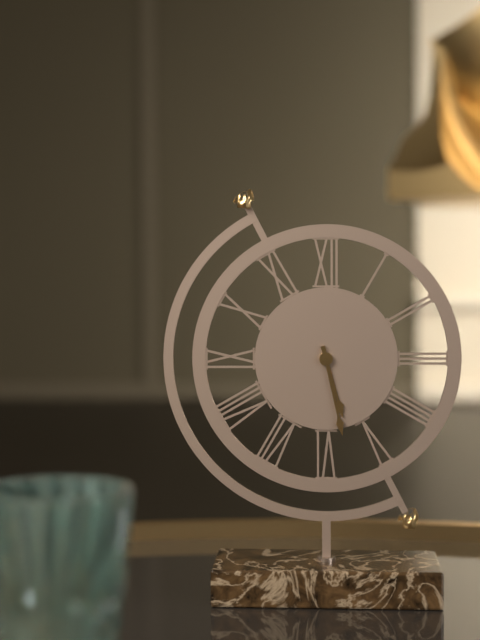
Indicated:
h=5 m=28
